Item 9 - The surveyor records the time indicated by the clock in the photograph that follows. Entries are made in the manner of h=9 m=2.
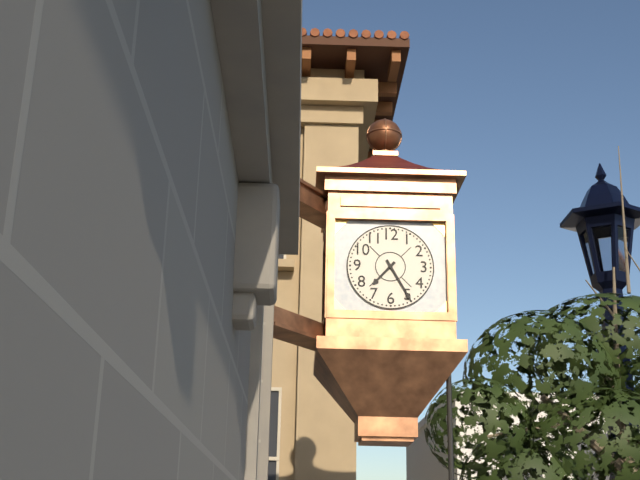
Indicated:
h=7 m=25
